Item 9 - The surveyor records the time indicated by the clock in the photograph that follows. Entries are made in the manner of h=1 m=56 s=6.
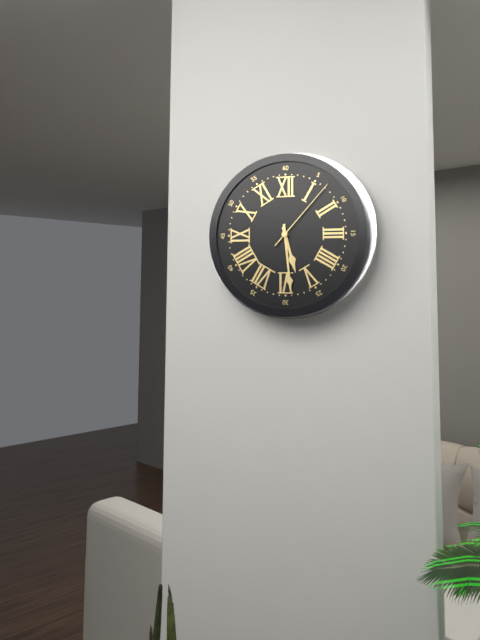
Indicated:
h=5 m=29 s=7
